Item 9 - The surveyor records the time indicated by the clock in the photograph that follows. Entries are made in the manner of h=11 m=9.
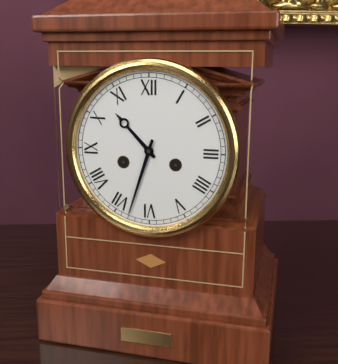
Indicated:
h=10 m=33
